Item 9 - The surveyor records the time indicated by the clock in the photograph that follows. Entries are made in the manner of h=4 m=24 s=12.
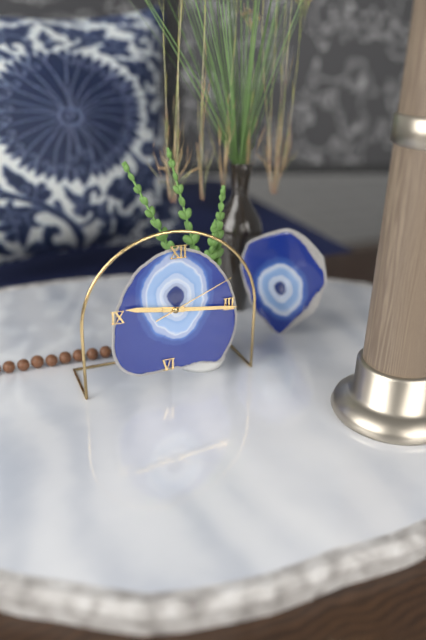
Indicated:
h=9 m=16 s=11
